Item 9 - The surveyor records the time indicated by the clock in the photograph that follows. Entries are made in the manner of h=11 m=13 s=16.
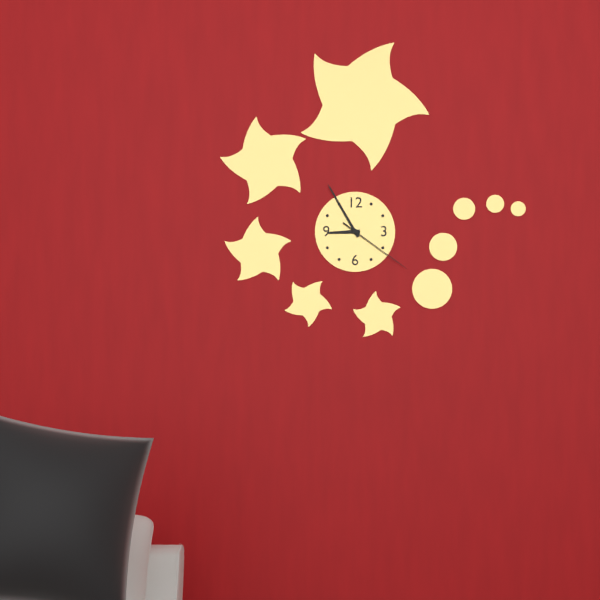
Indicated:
h=8 m=55 s=21
